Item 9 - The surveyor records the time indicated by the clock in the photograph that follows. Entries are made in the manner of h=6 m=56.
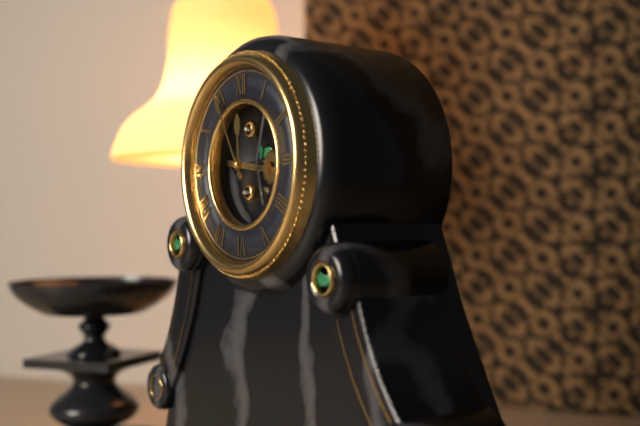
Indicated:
h=11 m=55
